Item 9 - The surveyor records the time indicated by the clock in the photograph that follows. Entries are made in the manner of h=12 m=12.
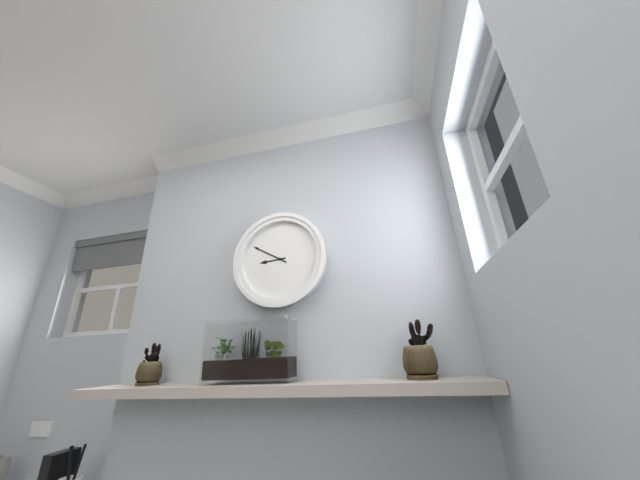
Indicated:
h=8 m=50
